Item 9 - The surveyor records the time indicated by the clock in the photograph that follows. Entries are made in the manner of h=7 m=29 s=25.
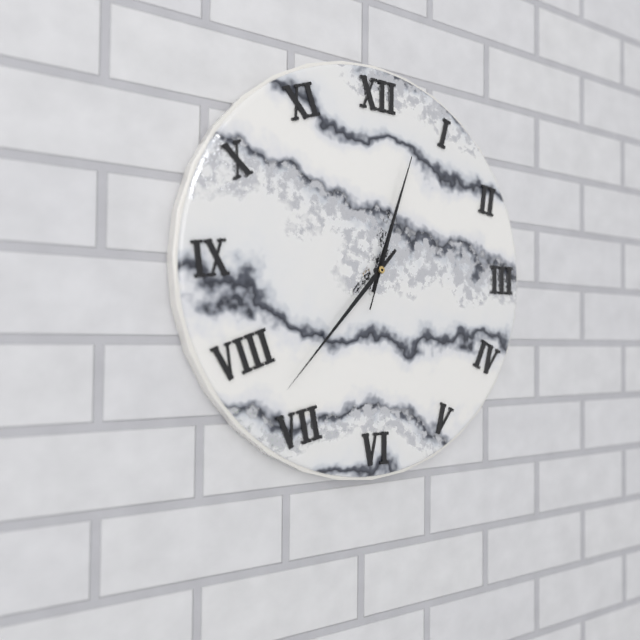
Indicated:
h=12 m=37 s=3
